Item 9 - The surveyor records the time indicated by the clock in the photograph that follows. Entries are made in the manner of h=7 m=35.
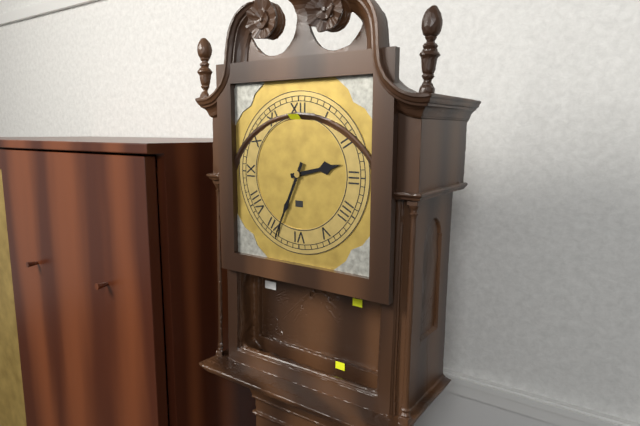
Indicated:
h=2 m=34
